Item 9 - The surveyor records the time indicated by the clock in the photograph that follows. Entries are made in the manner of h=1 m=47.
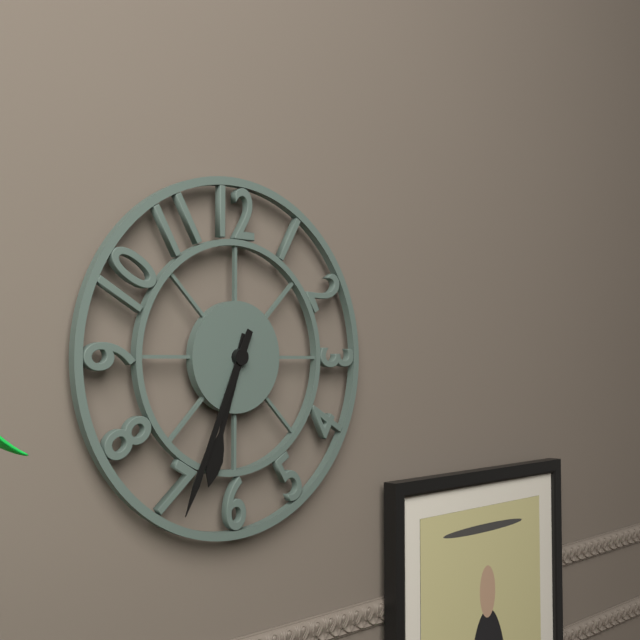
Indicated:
h=6 m=34
